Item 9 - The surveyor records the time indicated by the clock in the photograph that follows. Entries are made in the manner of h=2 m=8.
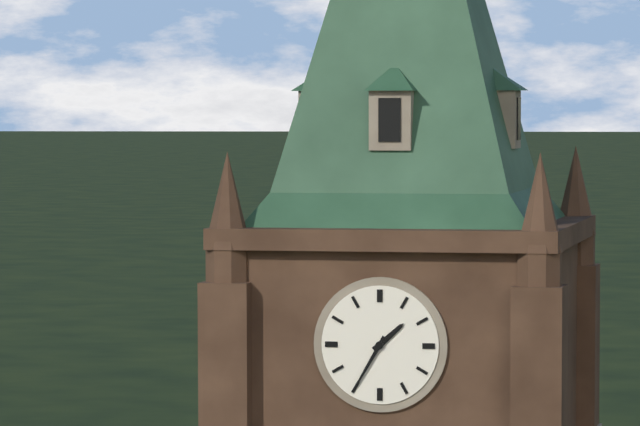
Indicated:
h=1 m=35
